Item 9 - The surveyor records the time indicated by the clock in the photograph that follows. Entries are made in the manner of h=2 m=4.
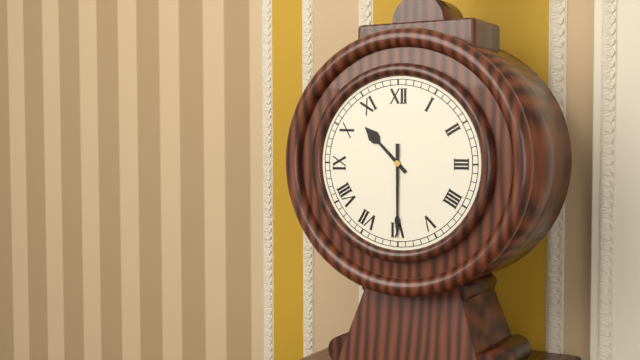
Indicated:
h=10 m=30
